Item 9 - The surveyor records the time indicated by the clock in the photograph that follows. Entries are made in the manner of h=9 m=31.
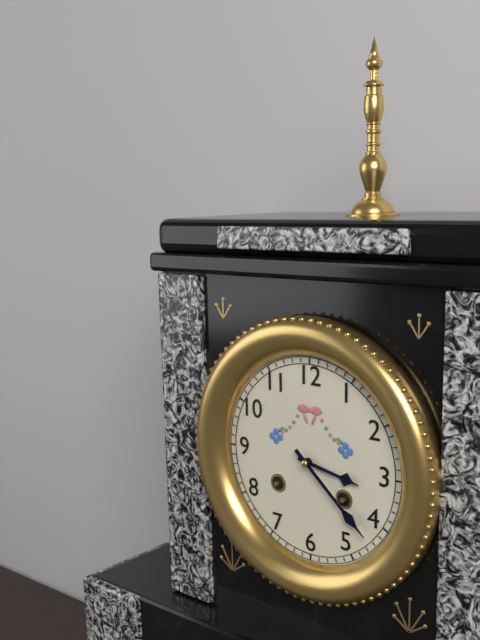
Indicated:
h=3 m=22
